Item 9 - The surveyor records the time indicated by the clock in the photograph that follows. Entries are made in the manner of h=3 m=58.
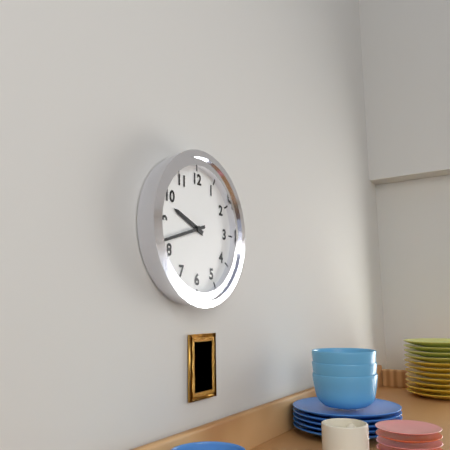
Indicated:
h=9 m=42
